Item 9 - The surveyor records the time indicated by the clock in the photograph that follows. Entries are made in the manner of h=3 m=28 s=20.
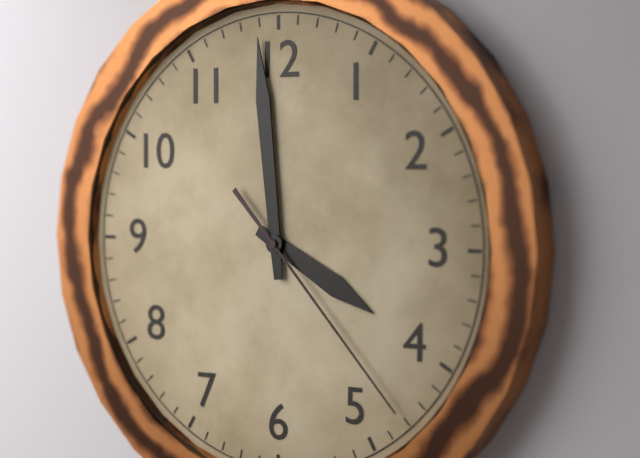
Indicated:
h=3 m=59 s=23
